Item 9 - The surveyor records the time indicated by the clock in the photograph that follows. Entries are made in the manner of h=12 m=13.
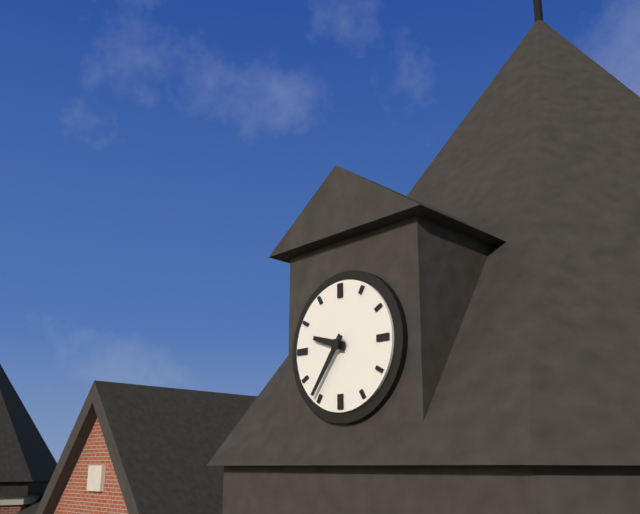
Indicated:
h=9 m=36
